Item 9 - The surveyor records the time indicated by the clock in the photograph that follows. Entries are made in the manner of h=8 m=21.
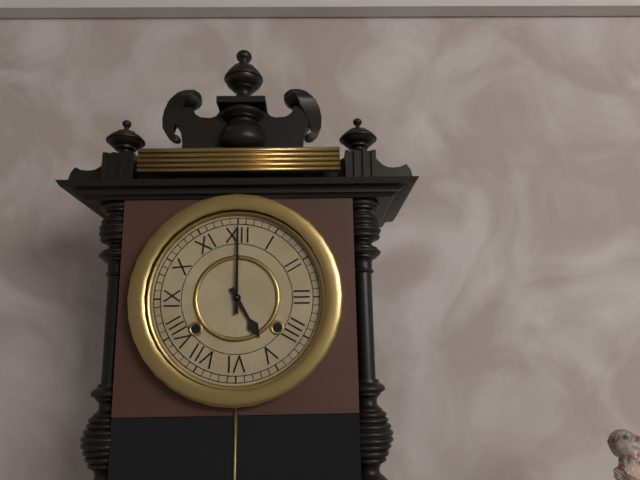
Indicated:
h=5 m=0
